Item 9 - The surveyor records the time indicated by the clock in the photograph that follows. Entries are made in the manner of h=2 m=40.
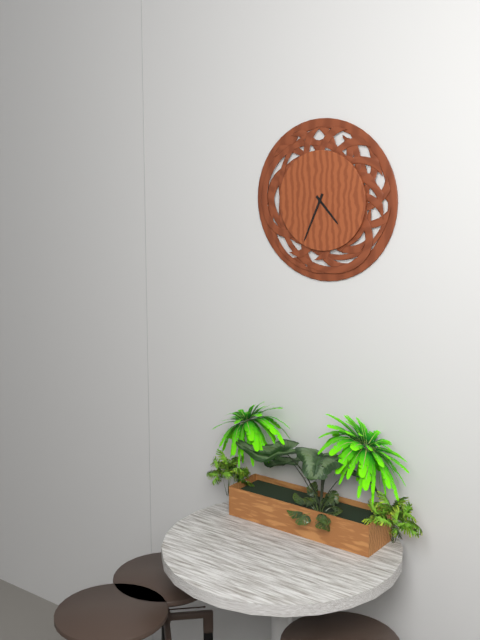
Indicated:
h=4 m=34
